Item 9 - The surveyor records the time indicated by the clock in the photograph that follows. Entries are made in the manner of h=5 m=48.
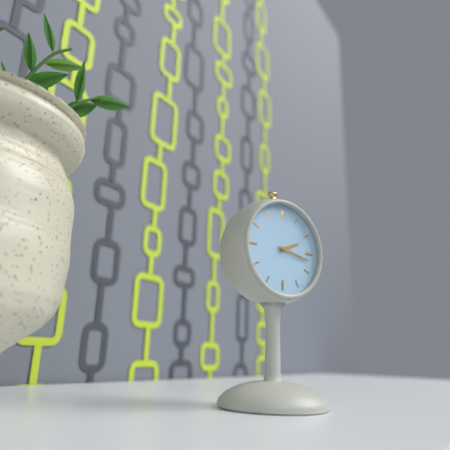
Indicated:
h=2 m=17
